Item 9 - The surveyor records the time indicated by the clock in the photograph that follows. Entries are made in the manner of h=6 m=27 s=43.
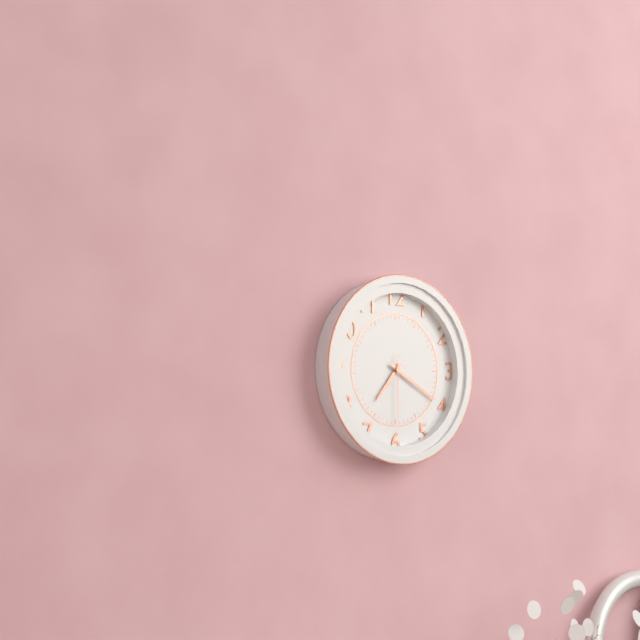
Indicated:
h=7 m=20 s=30
